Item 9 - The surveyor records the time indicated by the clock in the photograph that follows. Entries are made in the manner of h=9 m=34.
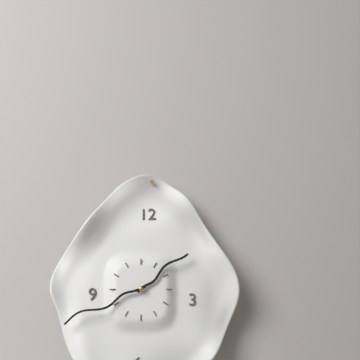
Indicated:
h=1 m=41
